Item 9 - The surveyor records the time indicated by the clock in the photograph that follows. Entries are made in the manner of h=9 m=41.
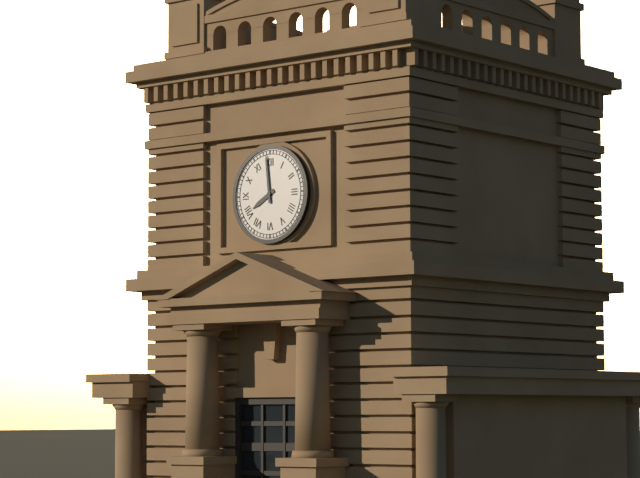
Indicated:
h=7 m=59
